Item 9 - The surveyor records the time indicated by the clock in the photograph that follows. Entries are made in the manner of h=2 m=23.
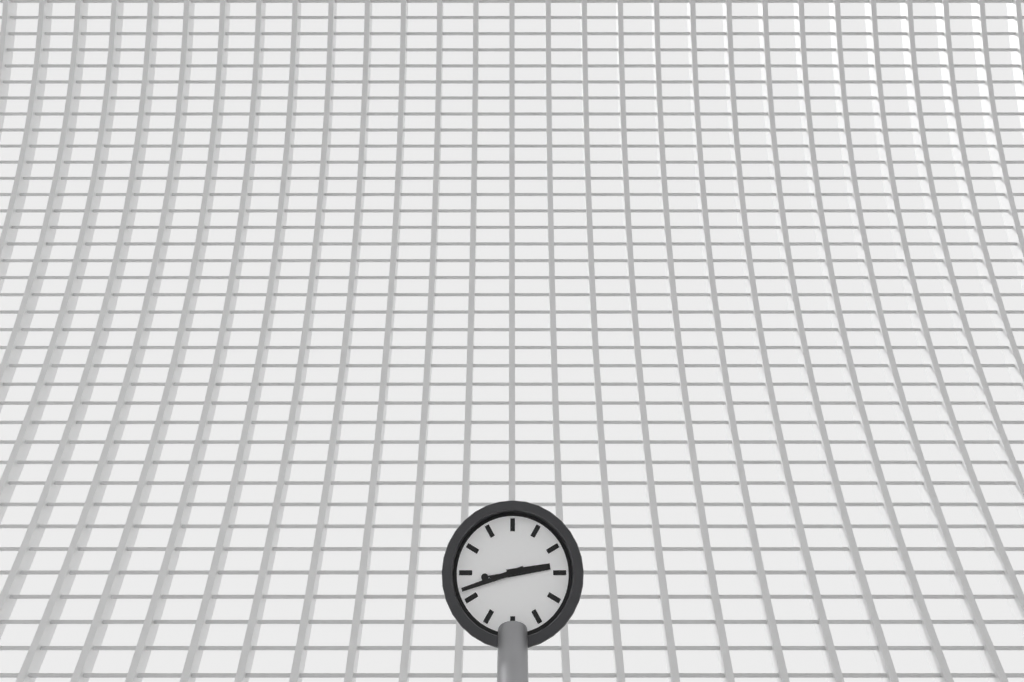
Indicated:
h=2 m=42
